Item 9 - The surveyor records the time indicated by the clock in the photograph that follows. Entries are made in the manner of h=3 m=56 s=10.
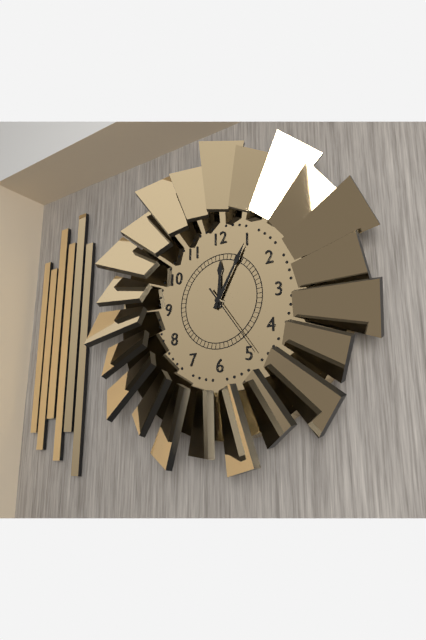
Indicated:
h=12 m=5 s=24
